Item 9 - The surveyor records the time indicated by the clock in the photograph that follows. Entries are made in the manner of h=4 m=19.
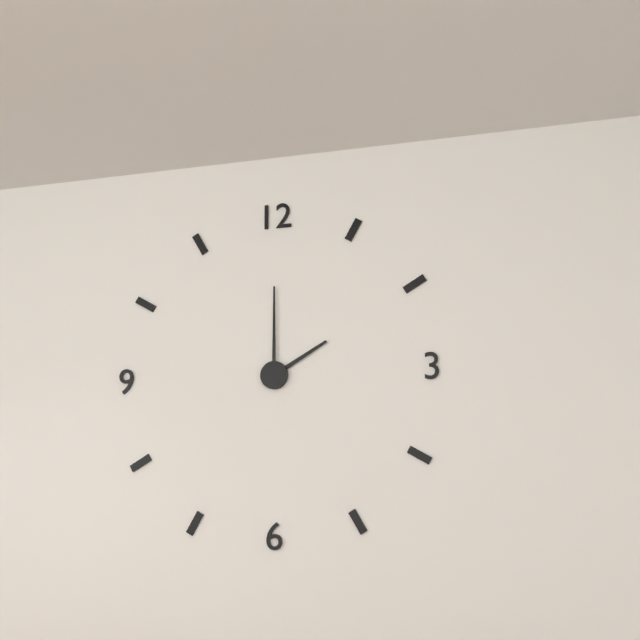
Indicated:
h=2 m=0
